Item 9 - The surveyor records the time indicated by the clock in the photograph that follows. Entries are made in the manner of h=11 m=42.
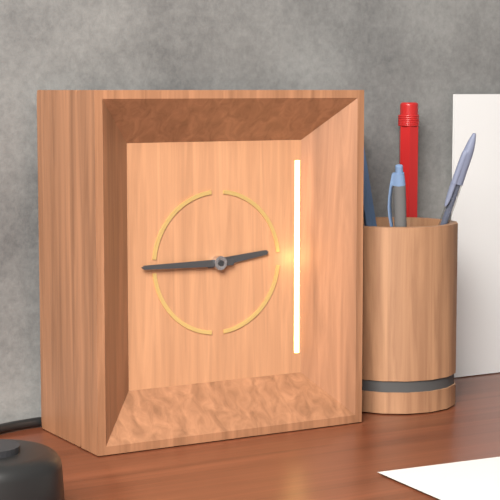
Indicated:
h=2 m=45
